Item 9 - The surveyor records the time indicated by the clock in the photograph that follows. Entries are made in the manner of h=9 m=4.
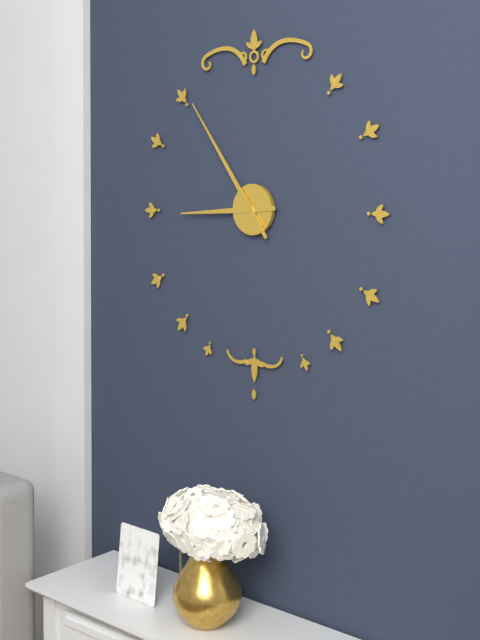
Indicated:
h=8 m=54
